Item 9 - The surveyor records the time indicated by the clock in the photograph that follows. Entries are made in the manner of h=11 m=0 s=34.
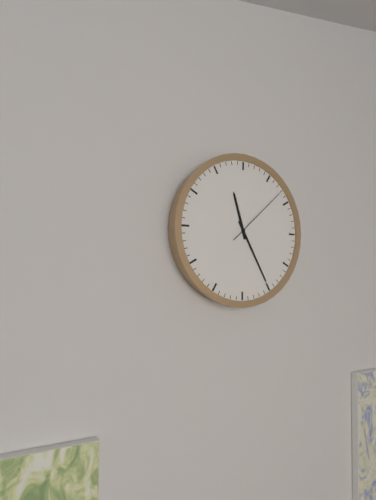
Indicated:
h=11 m=25 s=8
